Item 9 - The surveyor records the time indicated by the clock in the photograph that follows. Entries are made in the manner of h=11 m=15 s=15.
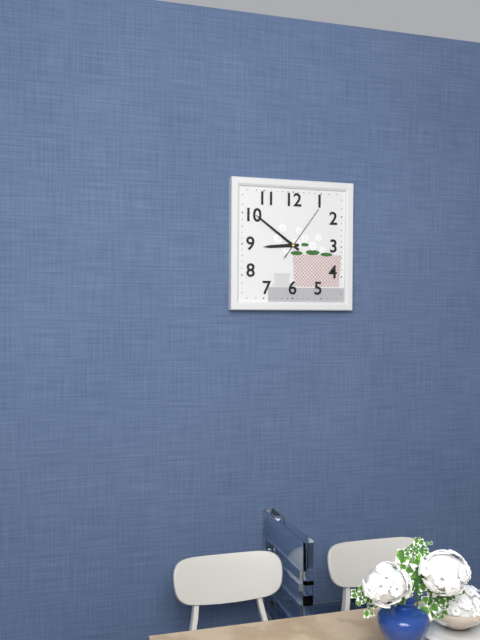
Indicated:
h=8 m=51 s=6
